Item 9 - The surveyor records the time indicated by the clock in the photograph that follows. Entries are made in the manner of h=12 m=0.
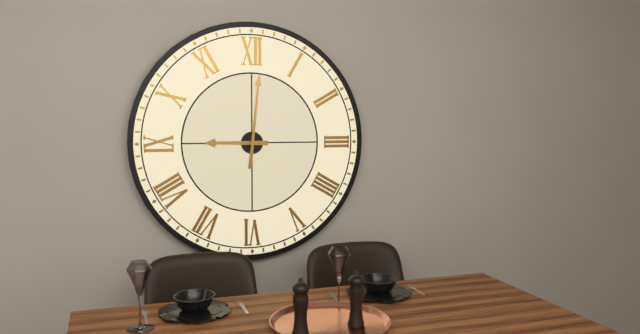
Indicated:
h=9 m=1
